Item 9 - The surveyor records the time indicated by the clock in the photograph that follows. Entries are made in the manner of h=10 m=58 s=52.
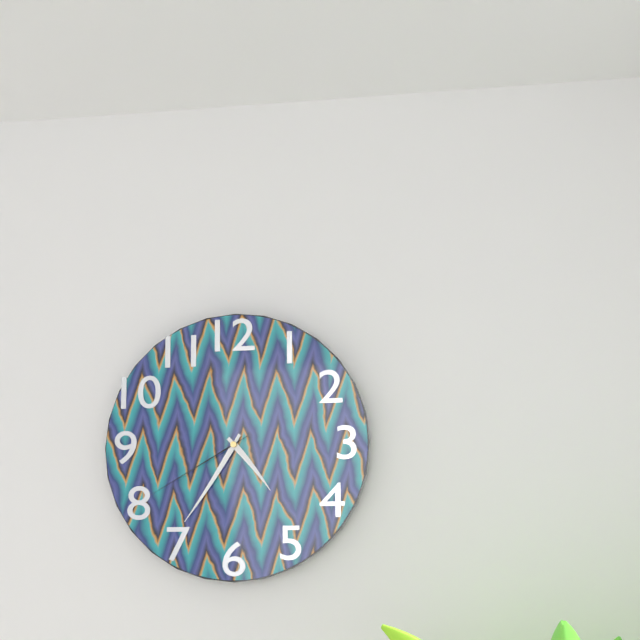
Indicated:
h=4 m=35 s=40
